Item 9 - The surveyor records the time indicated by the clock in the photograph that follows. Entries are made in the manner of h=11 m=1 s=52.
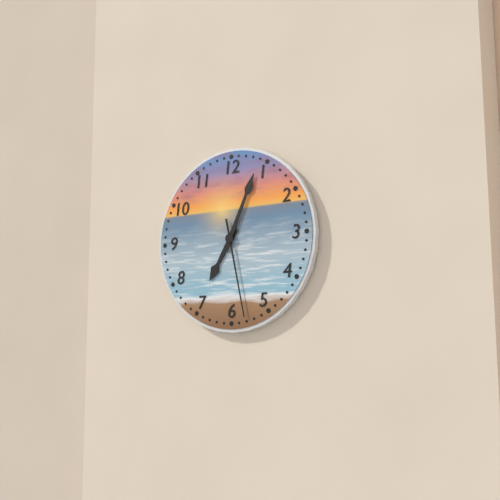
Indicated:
h=7 m=4 s=28
